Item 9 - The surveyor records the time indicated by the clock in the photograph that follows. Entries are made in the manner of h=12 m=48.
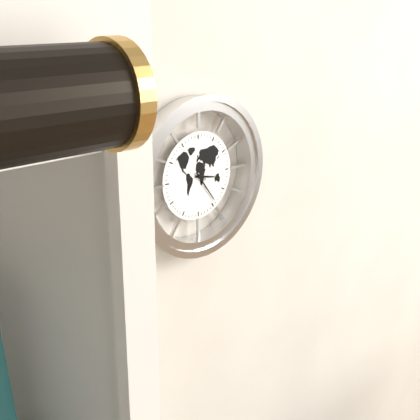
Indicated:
h=3 m=24
